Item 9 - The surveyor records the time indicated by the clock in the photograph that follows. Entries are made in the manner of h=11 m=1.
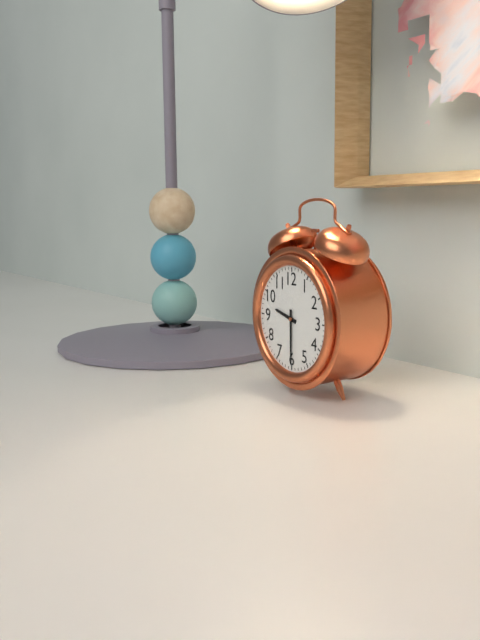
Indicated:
h=9 m=30
